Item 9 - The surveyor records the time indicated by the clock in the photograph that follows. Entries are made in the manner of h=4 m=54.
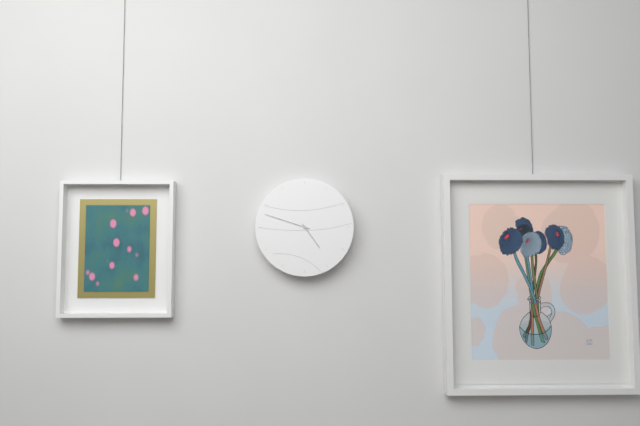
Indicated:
h=4 m=48
